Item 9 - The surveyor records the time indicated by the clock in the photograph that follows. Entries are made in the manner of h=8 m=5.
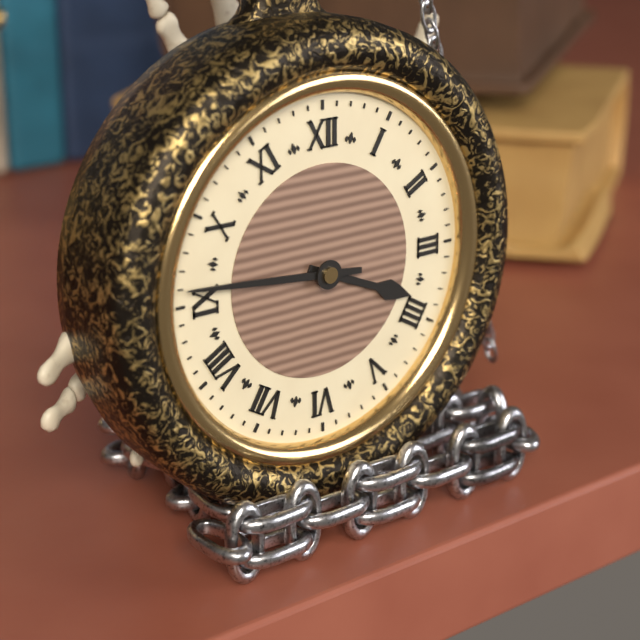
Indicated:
h=3 m=46
